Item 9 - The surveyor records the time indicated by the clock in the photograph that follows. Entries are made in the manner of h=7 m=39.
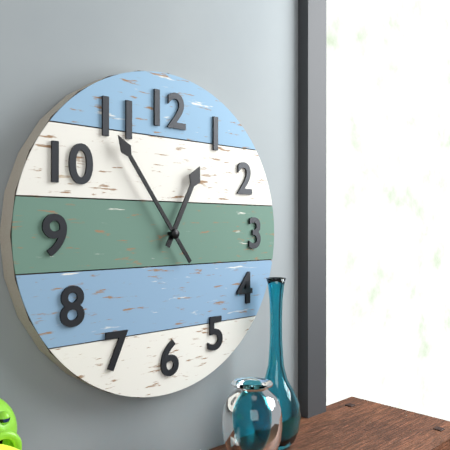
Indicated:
h=12 m=54
